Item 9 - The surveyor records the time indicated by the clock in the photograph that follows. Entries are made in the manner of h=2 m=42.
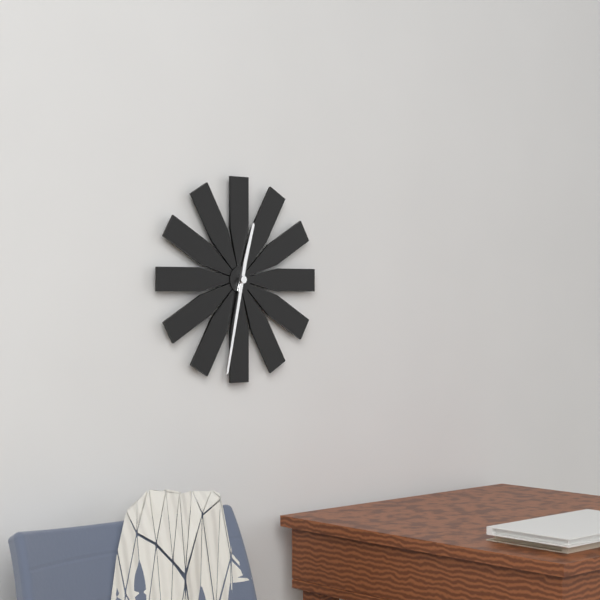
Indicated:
h=12 m=32
